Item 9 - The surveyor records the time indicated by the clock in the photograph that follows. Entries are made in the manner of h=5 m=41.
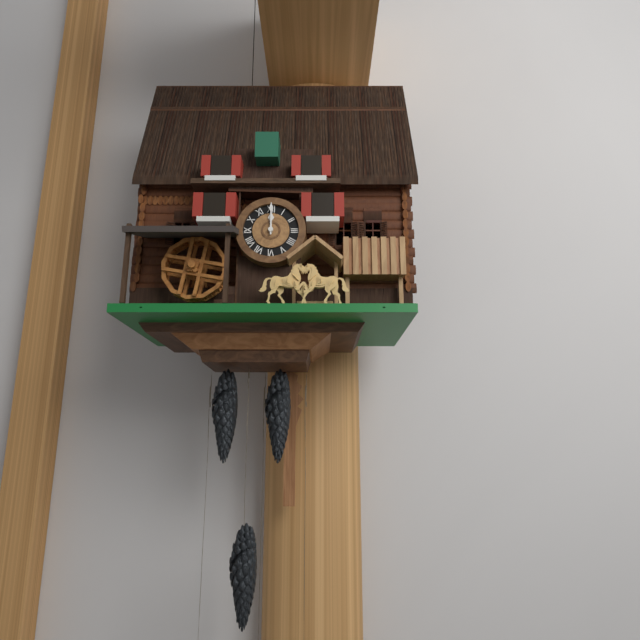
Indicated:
h=12 m=0
